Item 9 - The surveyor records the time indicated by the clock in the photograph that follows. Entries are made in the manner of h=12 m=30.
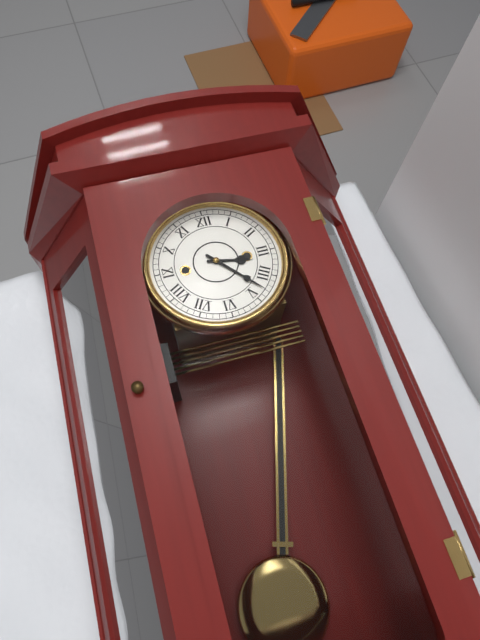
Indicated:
h=3 m=23
